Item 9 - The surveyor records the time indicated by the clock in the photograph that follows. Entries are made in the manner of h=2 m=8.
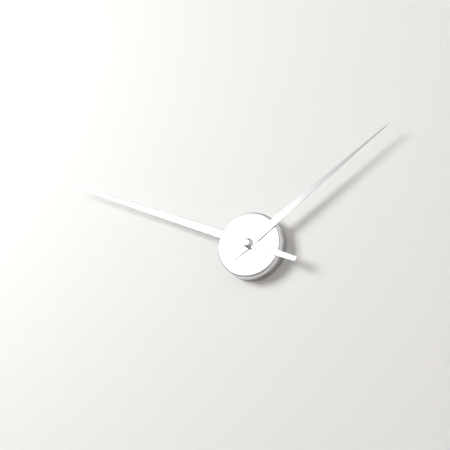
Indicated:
h=1 m=49
